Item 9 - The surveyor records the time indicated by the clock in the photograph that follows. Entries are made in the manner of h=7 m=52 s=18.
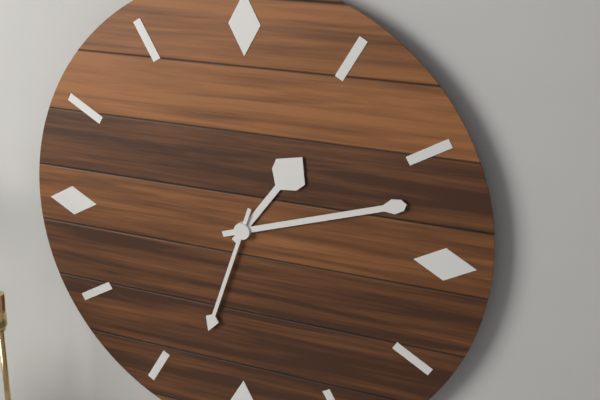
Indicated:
h=1 m=12 s=33
